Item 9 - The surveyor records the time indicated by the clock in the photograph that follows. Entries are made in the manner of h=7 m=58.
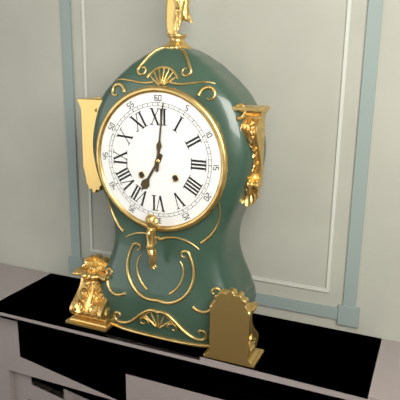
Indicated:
h=7 m=1
